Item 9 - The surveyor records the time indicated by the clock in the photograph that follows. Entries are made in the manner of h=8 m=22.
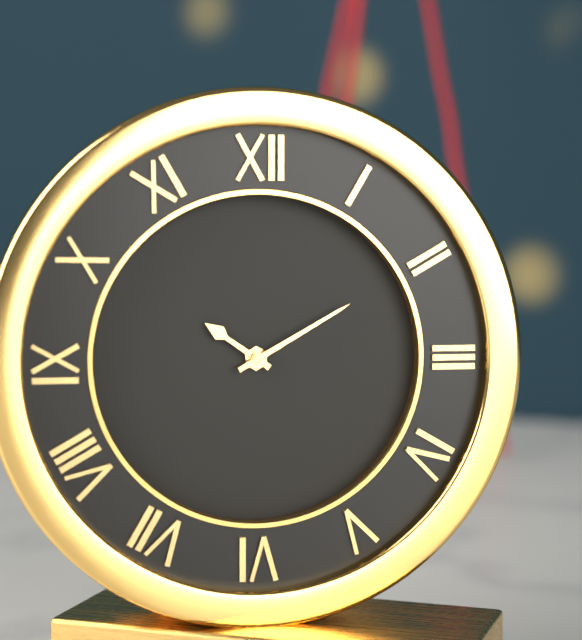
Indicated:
h=10 m=10
